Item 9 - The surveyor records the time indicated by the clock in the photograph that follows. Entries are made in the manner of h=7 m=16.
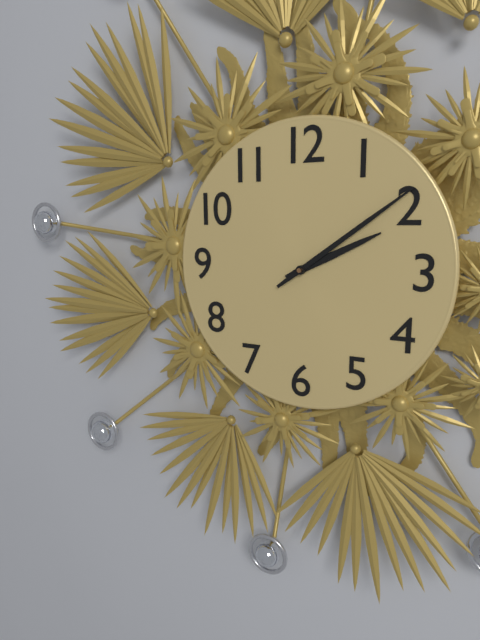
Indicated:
h=2 m=9
